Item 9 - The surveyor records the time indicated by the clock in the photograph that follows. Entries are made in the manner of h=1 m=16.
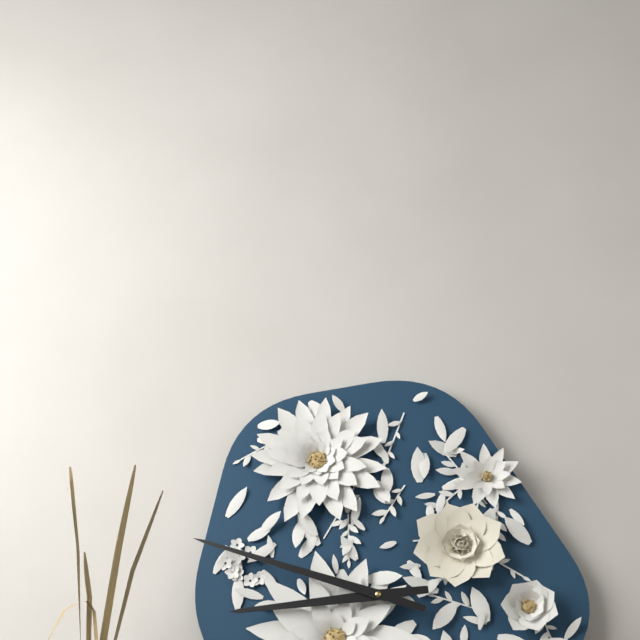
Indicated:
h=8 m=48
